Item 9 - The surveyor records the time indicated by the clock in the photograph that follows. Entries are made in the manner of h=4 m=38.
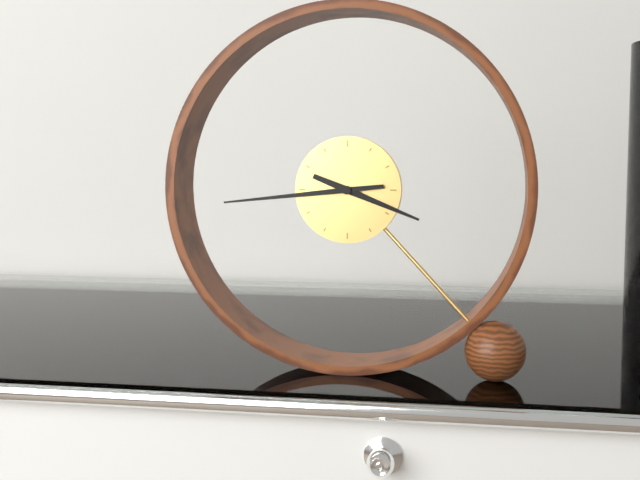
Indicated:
h=3 m=44
